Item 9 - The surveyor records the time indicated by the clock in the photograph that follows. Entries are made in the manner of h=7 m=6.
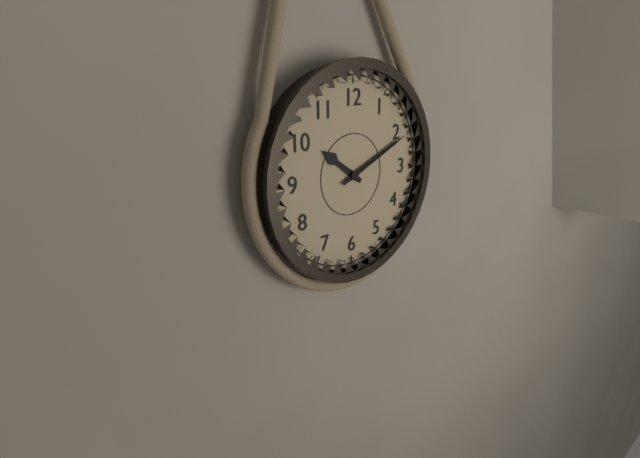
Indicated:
h=10 m=11
